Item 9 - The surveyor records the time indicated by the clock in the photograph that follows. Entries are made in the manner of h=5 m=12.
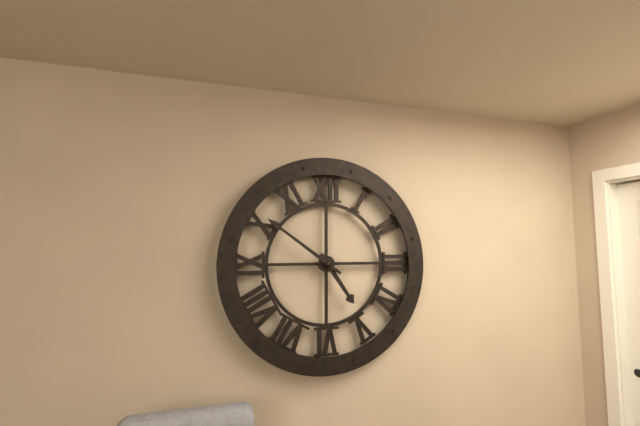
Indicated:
h=4 m=51
